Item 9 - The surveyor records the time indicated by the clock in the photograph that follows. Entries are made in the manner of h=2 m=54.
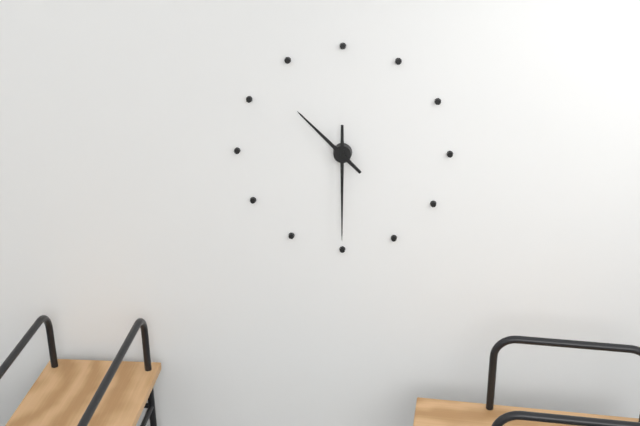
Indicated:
h=10 m=30
